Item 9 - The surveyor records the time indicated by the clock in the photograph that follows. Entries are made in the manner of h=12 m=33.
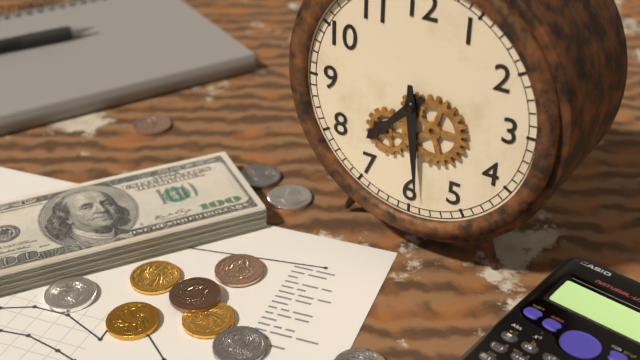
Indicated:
h=7 m=29
